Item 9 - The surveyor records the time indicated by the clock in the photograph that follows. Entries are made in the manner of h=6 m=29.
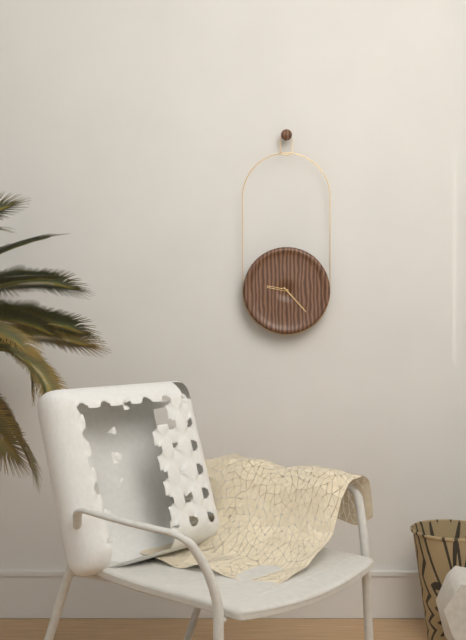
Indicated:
h=9 m=23
